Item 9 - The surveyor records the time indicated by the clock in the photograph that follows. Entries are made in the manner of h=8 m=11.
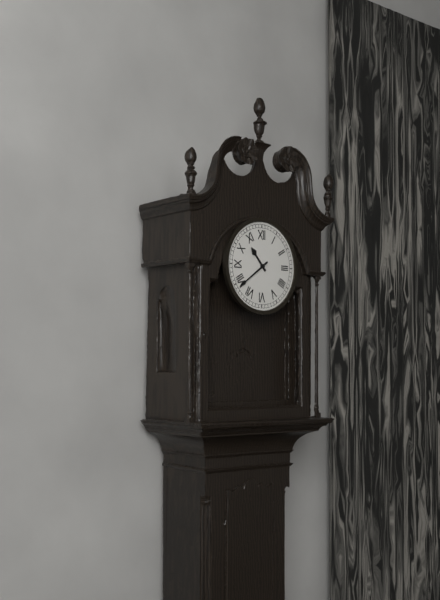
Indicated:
h=10 m=39
